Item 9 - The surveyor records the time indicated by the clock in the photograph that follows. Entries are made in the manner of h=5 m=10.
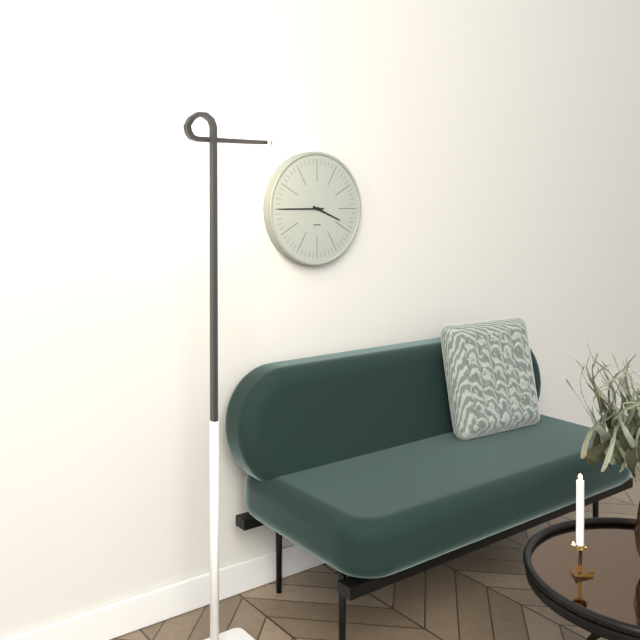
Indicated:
h=3 m=45
